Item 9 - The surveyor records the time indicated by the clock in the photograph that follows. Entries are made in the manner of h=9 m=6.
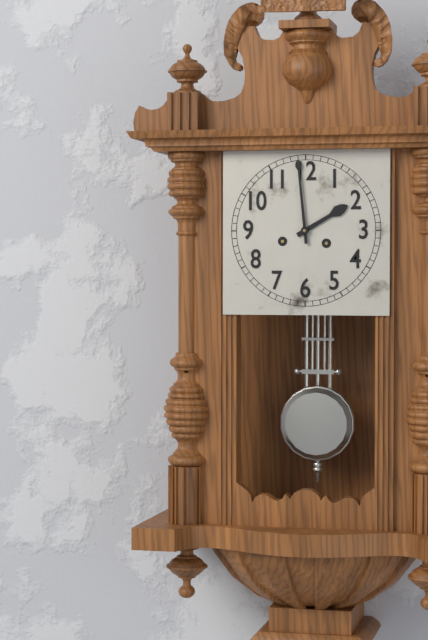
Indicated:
h=1 m=59
